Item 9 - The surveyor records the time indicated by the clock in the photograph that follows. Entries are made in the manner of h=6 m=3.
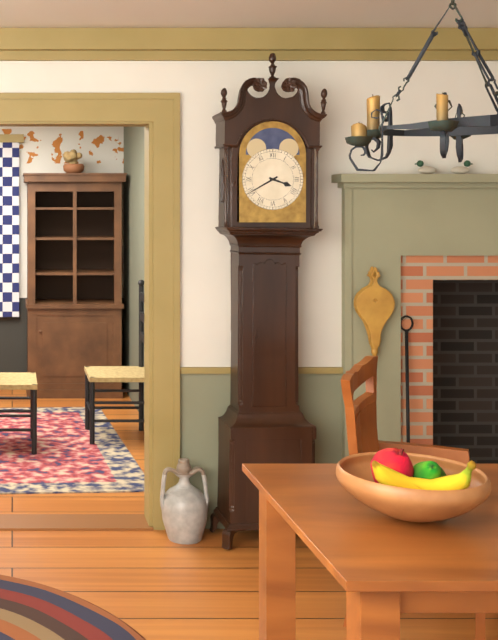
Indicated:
h=3 m=40
